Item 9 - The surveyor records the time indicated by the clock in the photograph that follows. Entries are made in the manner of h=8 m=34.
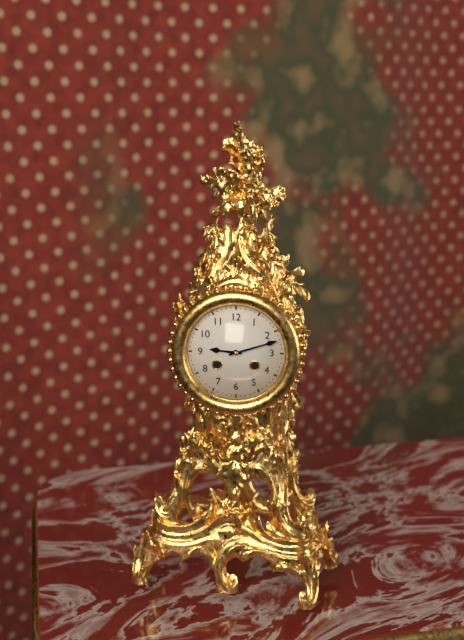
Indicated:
h=9 m=12
